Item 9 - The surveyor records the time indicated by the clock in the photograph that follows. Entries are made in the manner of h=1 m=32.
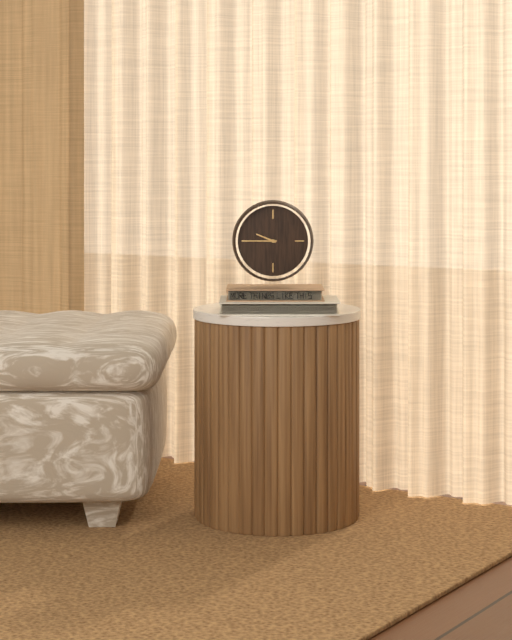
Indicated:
h=9 m=45
